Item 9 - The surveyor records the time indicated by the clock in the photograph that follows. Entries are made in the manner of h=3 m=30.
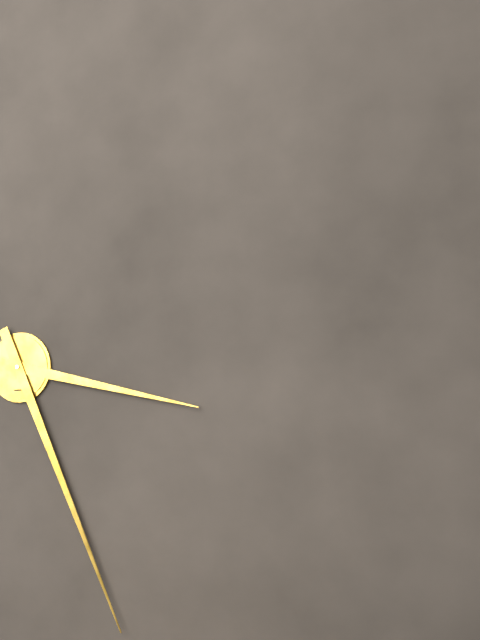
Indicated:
h=3 m=26
